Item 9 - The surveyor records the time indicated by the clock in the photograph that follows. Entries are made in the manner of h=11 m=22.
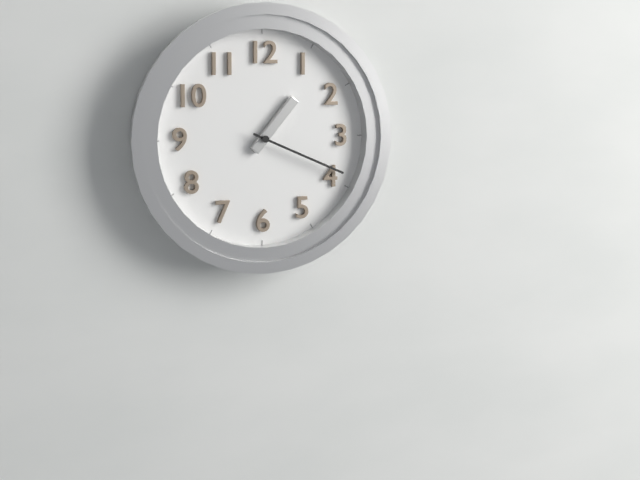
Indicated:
h=1 m=19
